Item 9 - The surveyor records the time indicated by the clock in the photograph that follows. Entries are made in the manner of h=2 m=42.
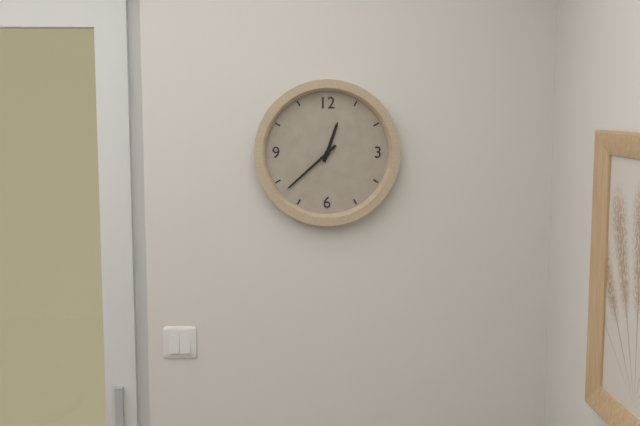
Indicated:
h=12 m=38
